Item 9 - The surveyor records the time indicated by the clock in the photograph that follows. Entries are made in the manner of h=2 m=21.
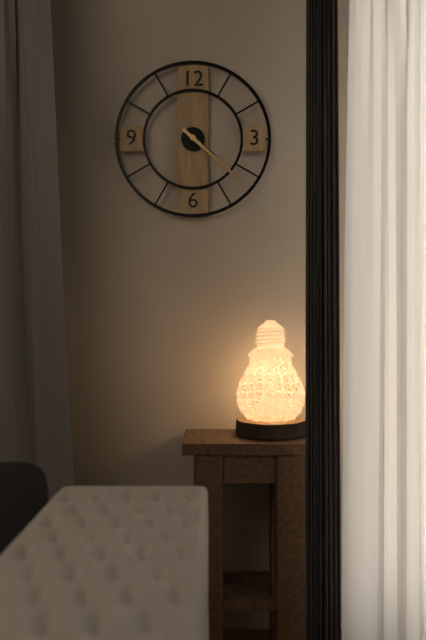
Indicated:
h=4 m=22
